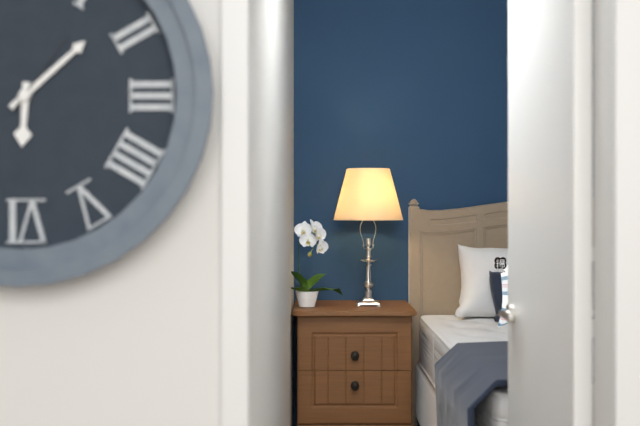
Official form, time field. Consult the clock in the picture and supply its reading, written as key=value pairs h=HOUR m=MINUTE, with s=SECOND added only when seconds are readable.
h=6 m=8 s=6
